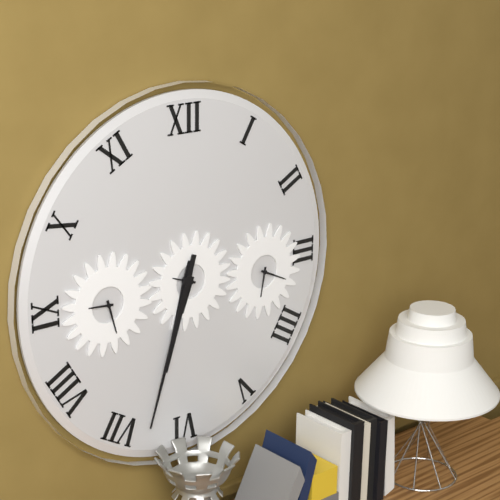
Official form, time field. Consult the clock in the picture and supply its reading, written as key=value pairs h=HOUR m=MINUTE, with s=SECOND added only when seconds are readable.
h=6 m=33
